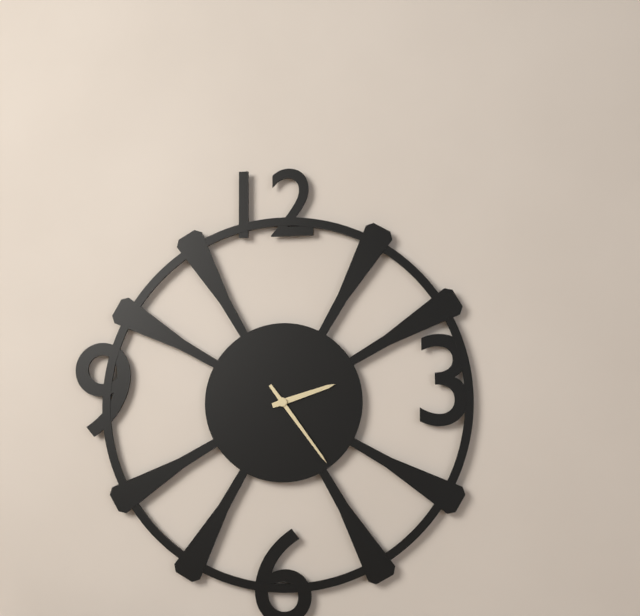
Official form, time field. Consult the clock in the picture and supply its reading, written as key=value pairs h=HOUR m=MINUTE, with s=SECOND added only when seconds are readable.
h=2 m=24
